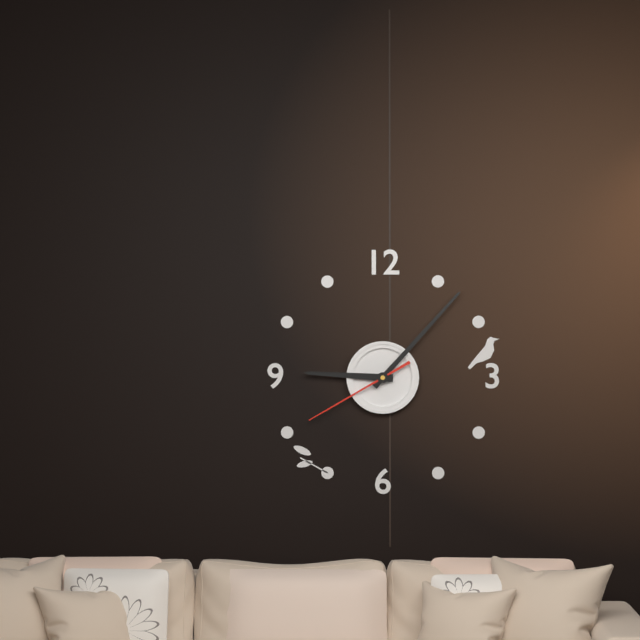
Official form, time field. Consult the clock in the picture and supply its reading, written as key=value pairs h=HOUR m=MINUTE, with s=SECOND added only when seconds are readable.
h=9 m=7 s=40
